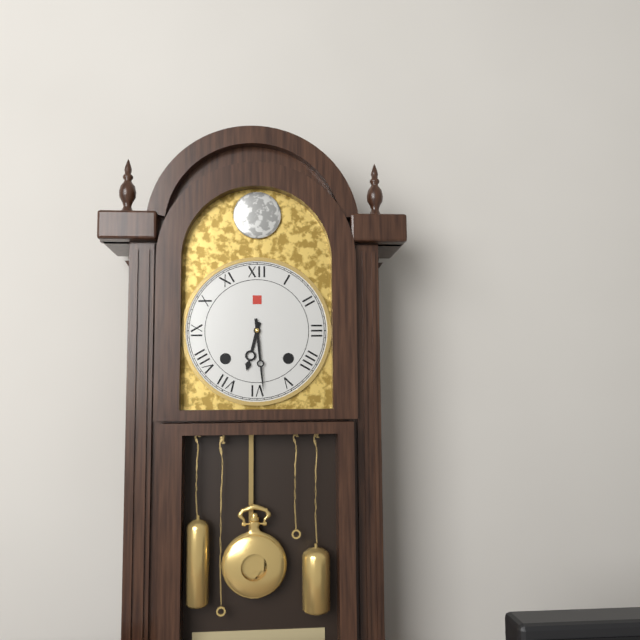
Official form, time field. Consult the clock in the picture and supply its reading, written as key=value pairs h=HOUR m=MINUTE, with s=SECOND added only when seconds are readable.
h=6 m=29
